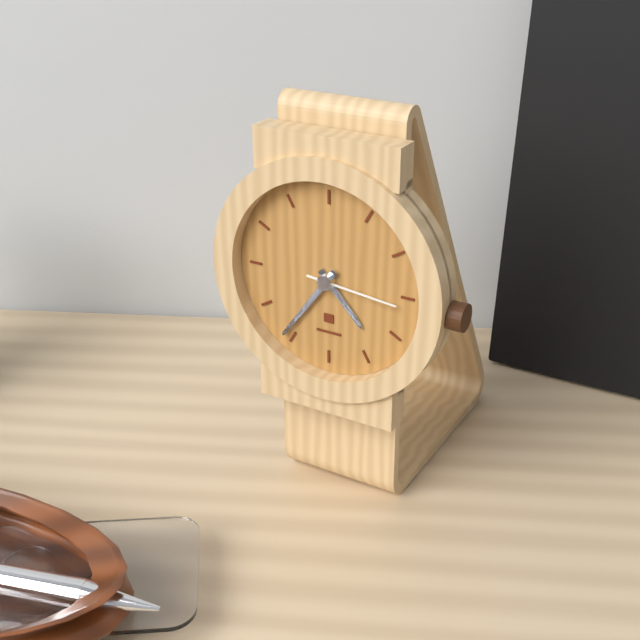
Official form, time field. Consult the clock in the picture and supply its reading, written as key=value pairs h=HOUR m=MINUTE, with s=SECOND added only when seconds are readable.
h=4 m=36 s=16
